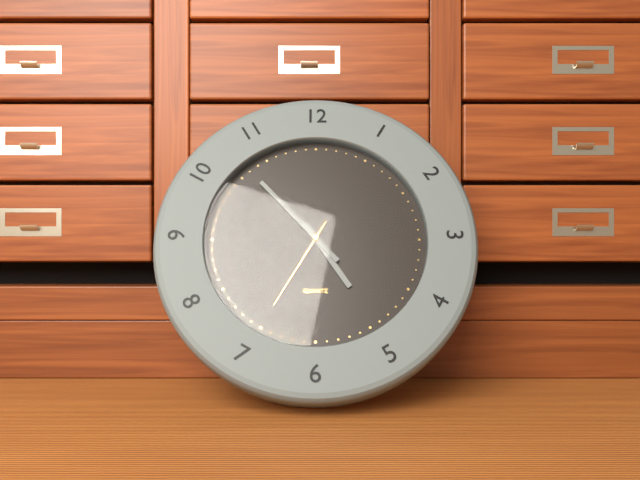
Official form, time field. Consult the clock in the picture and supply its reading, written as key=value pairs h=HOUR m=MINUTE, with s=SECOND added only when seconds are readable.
h=4 m=53 s=35
